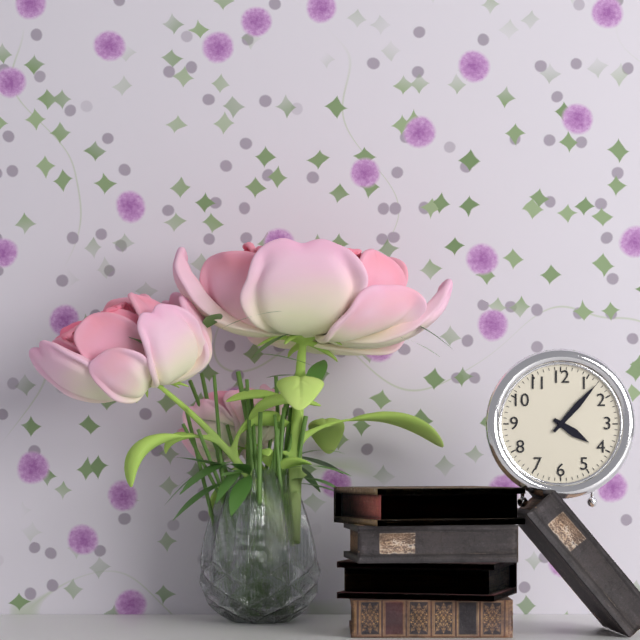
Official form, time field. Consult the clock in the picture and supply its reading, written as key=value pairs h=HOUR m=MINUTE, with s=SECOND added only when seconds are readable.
h=4 m=7
